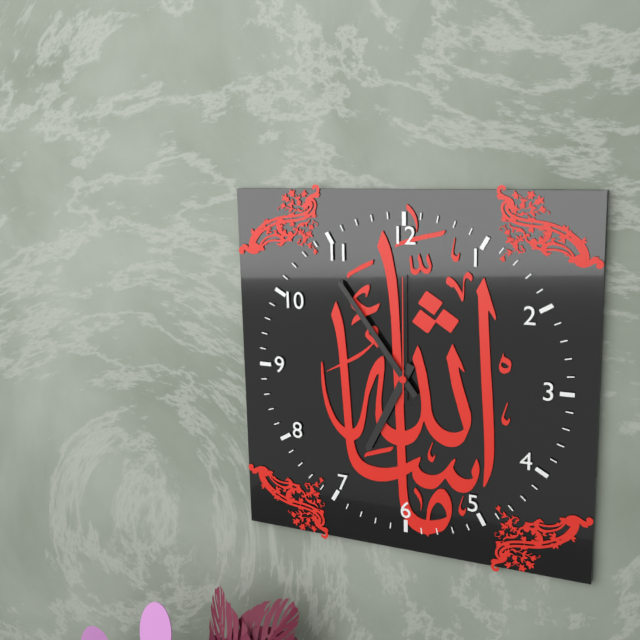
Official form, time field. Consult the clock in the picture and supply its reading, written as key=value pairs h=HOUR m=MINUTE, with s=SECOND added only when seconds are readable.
h=6 m=54 s=0
